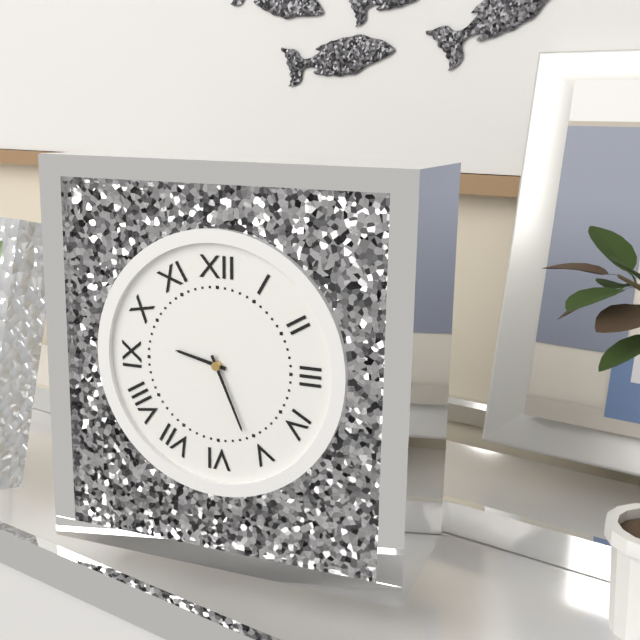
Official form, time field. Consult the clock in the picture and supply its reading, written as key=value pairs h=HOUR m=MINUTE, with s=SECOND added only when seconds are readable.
h=9 m=26
